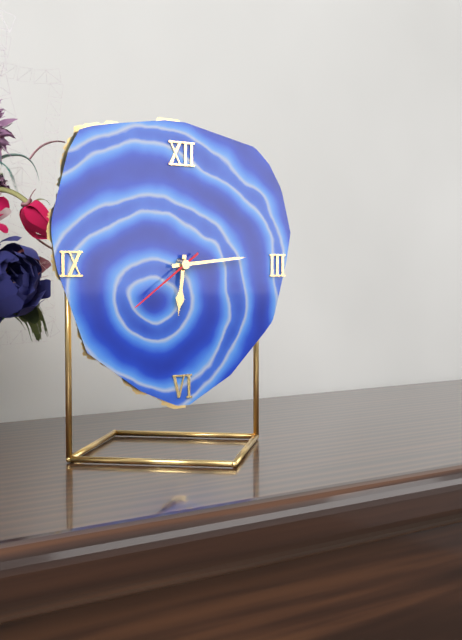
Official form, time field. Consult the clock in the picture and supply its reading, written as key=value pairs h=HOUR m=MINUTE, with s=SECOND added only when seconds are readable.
h=6 m=14 s=39
